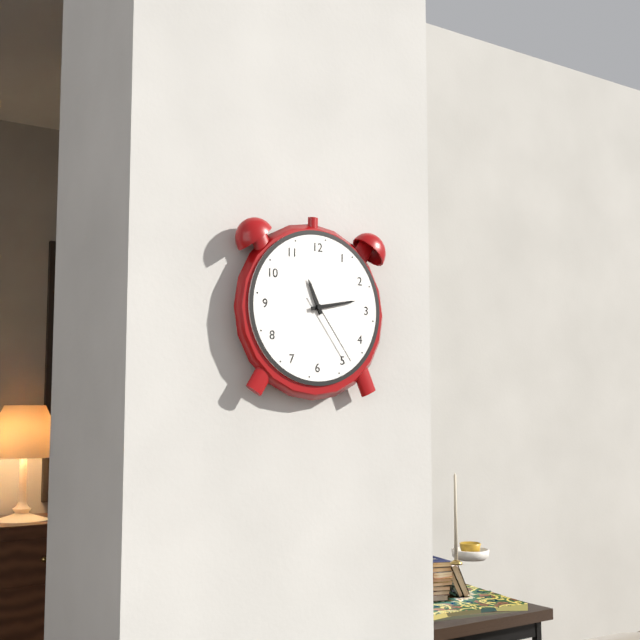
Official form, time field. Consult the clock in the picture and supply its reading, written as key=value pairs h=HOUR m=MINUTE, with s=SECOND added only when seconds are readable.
h=11 m=13 s=24
